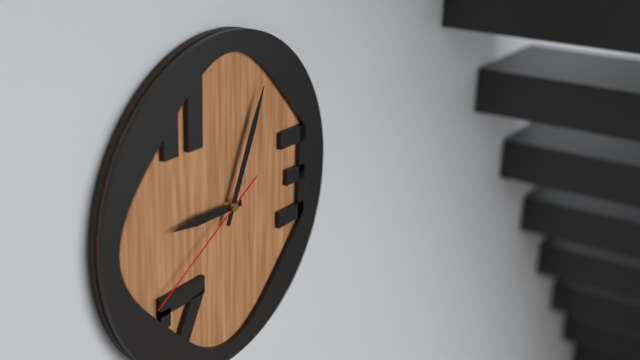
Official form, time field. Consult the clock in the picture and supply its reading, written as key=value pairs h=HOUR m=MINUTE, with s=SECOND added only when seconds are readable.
h=9 m=4 s=40
